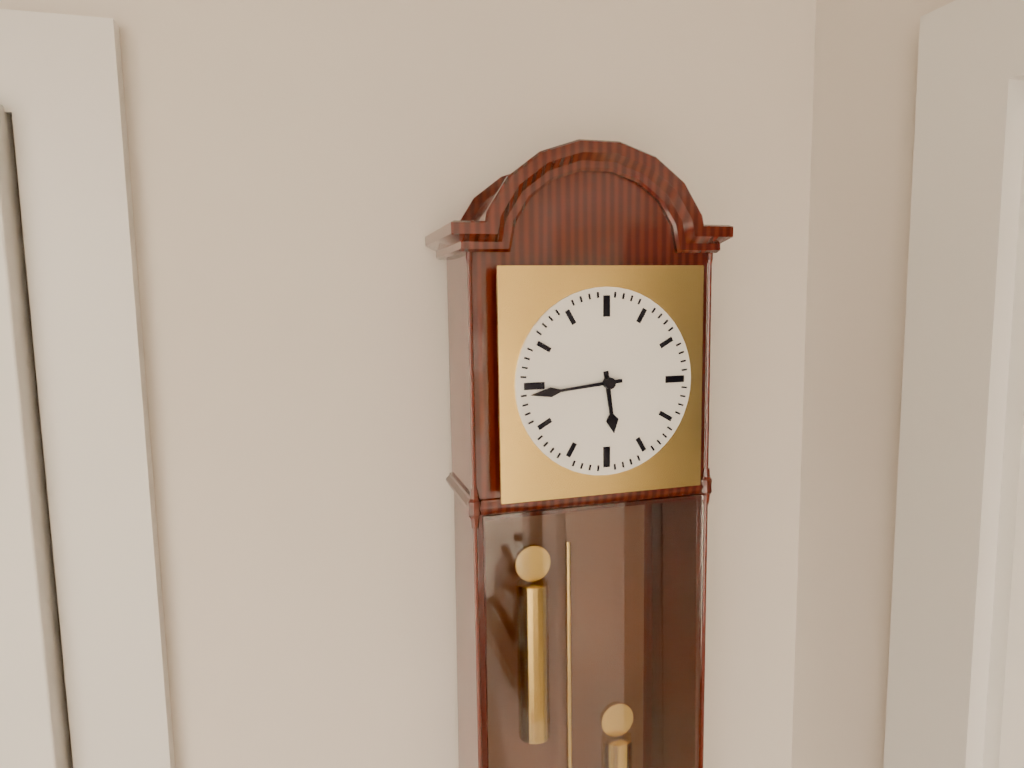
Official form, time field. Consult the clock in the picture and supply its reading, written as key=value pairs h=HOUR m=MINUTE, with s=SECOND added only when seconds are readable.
h=5 m=44
